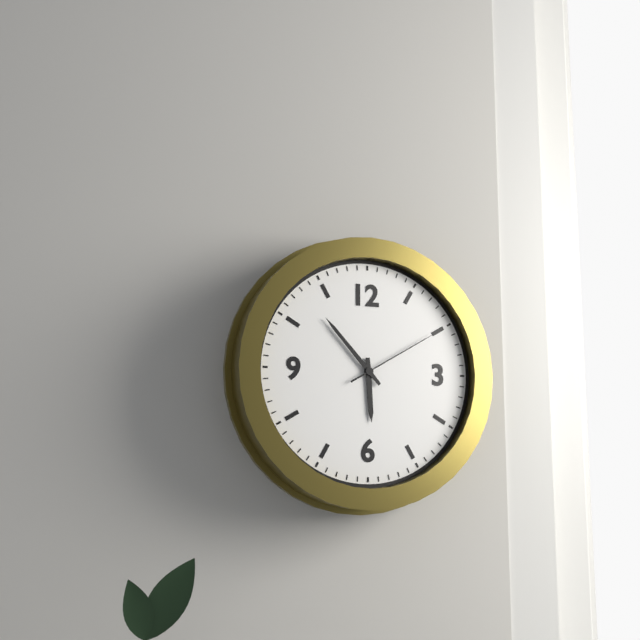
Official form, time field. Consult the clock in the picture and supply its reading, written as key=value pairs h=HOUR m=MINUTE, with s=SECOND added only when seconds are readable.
h=5 m=53 s=10
